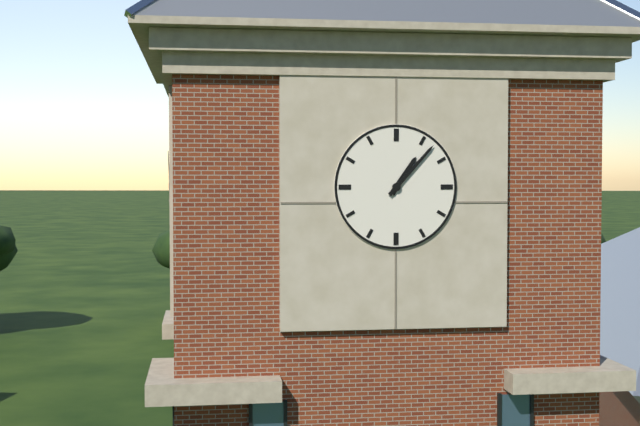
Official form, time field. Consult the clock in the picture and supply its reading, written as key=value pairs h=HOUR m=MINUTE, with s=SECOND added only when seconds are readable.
h=1 m=7
